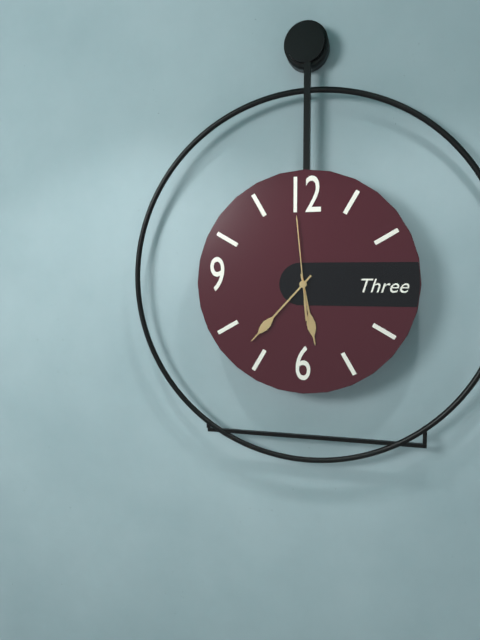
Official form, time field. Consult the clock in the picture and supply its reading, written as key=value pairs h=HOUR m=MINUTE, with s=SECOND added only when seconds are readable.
h=5 m=37 s=59
